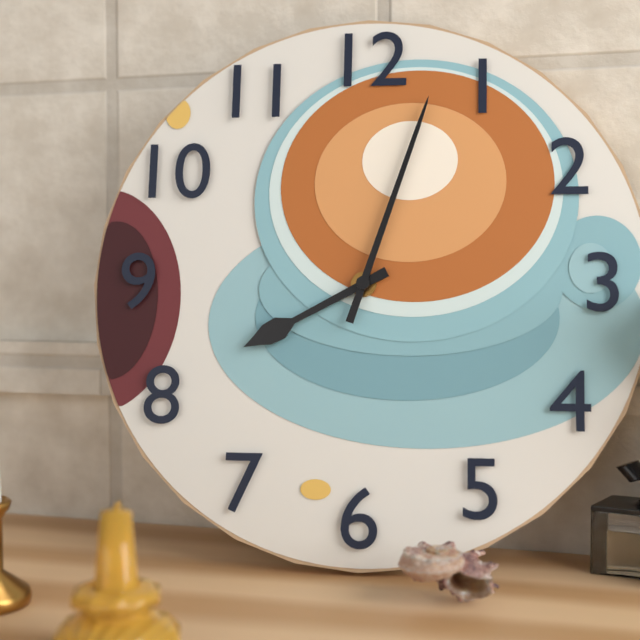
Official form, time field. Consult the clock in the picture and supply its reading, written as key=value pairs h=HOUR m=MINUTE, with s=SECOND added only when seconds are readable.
h=8 m=3
